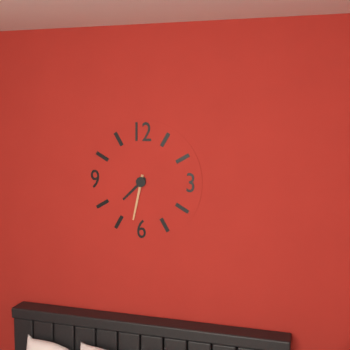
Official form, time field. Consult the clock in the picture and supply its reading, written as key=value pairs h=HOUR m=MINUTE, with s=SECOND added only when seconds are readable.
h=7 m=32
